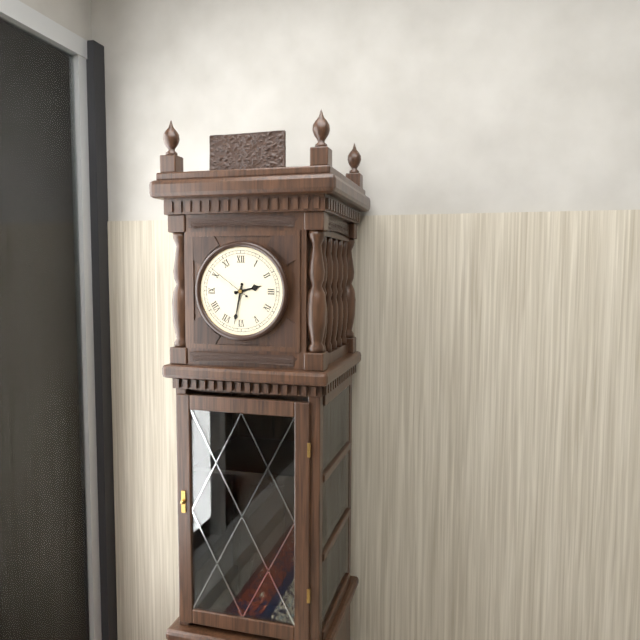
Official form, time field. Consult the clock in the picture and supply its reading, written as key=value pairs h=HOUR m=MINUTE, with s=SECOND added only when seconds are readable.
h=2 m=32
